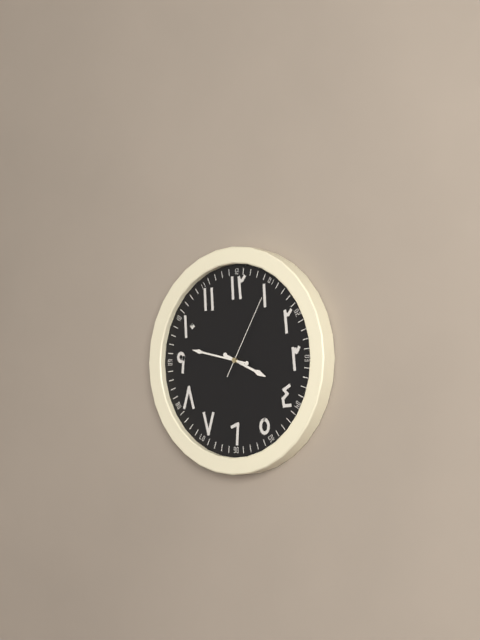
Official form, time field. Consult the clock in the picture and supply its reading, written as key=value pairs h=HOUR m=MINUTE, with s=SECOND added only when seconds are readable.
h=3 m=47 s=5
